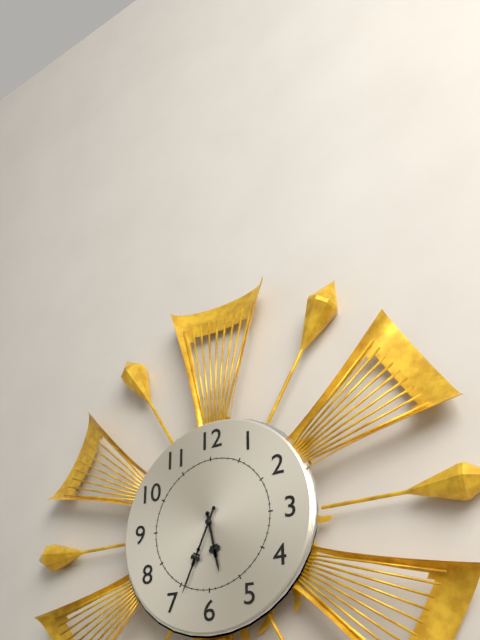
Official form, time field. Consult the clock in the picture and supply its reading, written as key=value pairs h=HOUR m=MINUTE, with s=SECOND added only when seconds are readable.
h=5 m=34
